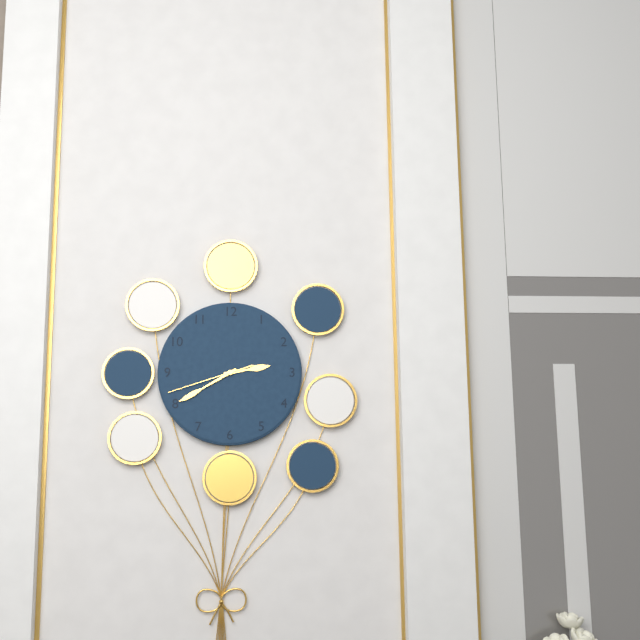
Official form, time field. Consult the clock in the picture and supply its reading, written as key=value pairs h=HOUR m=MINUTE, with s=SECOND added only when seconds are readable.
h=2 m=40 s=42
